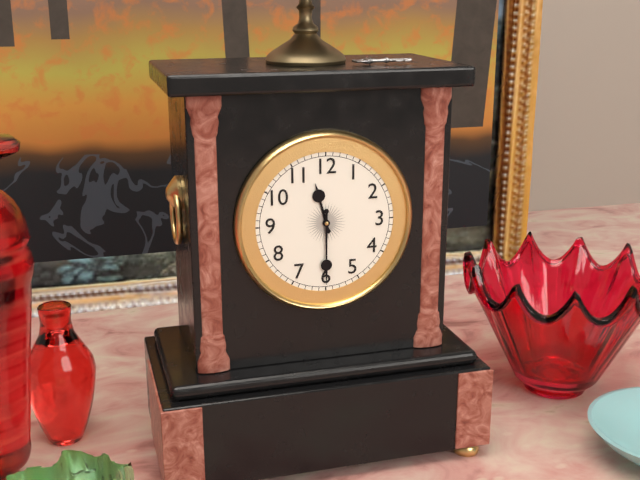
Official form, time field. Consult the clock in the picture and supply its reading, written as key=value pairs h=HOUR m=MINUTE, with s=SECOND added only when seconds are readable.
h=11 m=30
